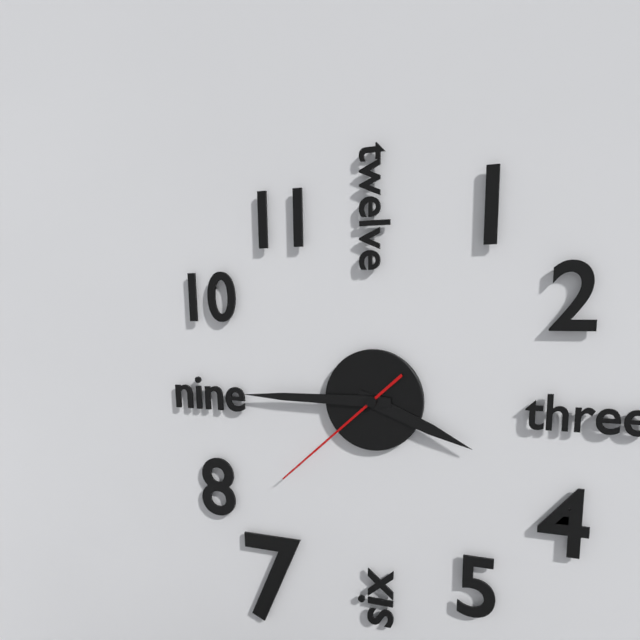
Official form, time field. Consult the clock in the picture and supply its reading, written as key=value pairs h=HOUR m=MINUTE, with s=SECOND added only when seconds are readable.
h=3 m=45 s=38
